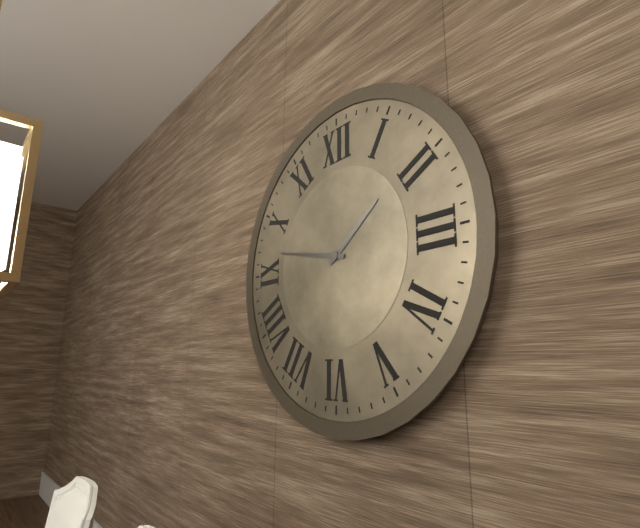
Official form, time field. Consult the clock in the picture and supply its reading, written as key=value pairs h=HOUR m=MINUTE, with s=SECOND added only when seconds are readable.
h=1 m=47
